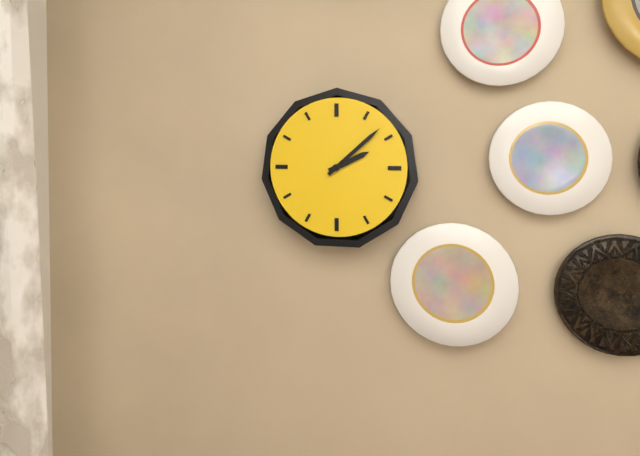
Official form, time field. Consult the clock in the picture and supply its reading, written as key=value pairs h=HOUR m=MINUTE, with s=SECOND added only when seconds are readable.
h=2 m=8
